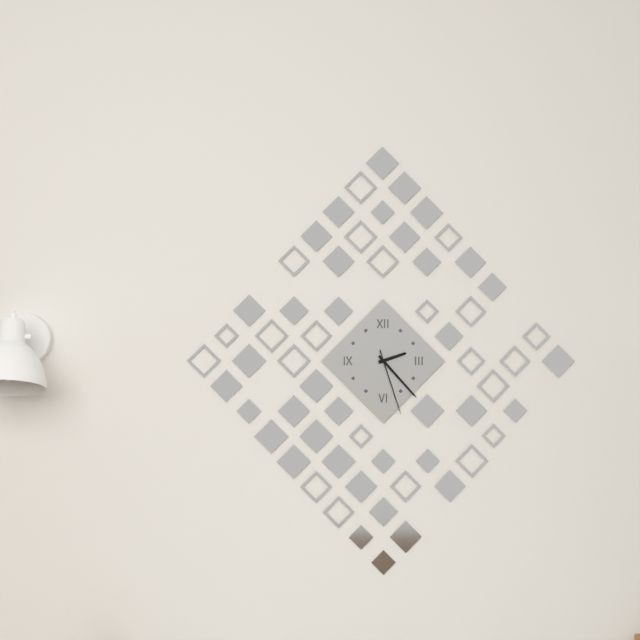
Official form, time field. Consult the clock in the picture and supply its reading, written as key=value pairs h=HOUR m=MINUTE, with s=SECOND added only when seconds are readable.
h=2 m=23 s=27
